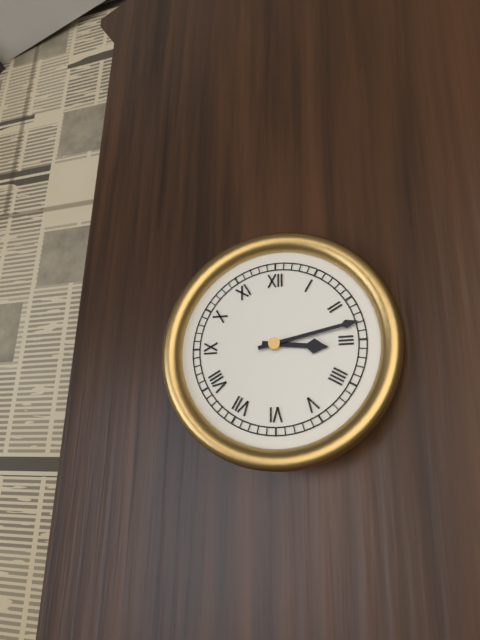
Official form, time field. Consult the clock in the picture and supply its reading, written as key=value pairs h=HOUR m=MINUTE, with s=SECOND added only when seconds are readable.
h=3 m=13
